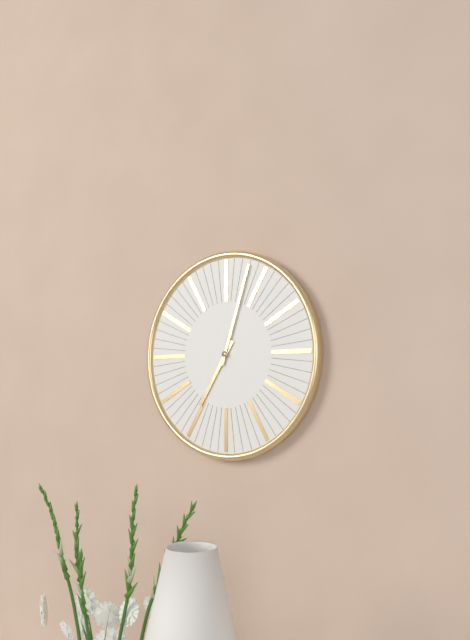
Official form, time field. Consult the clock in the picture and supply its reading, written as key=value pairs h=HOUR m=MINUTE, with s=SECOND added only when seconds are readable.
h=7 m=3
